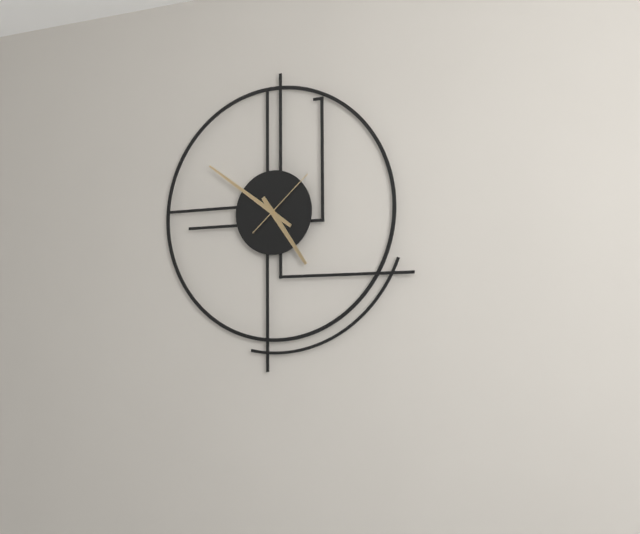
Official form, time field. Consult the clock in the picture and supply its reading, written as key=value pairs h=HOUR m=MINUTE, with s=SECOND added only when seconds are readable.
h=4 m=51 s=8
